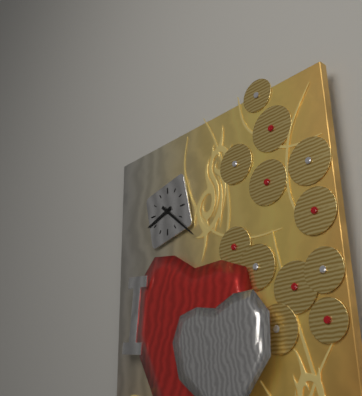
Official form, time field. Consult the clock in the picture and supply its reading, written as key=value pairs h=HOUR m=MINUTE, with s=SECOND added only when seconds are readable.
h=8 m=22
